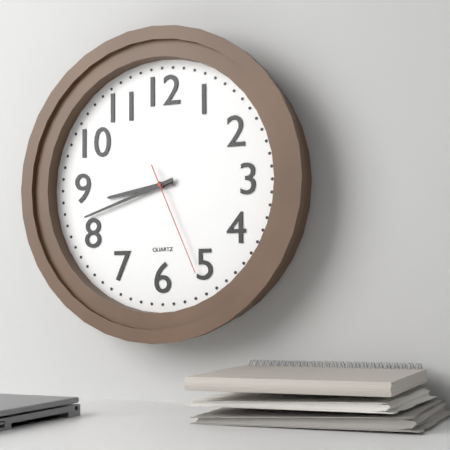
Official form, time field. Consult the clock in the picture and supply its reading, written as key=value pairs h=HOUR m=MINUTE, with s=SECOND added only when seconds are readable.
h=8 m=42 s=26
